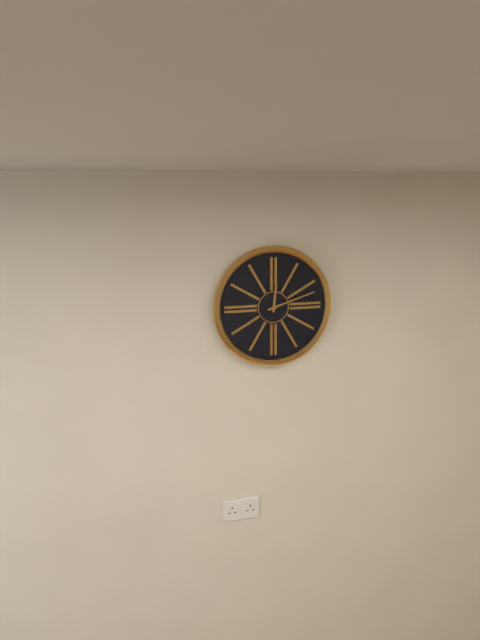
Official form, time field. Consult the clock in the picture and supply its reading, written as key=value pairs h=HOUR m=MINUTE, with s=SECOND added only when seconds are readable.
h=12 m=12
